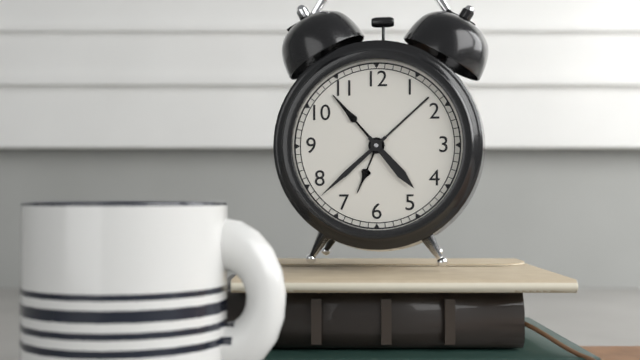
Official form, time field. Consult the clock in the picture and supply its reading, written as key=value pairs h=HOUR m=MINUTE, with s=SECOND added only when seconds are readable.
h=4 m=38
